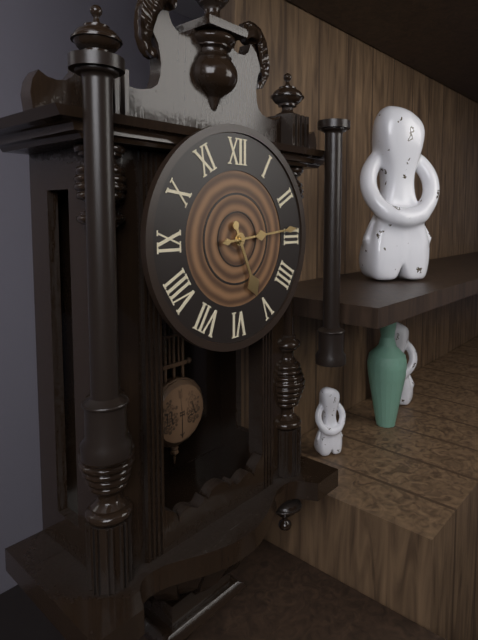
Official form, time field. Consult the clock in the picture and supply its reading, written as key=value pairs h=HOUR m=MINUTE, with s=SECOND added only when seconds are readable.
h=5 m=14
